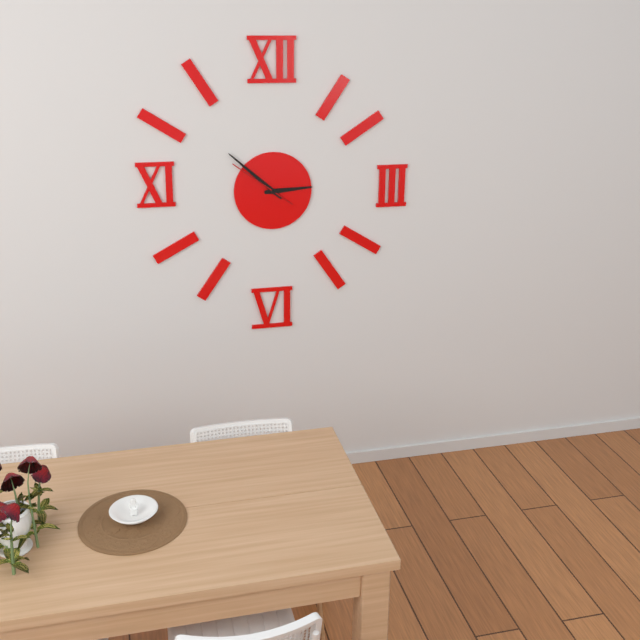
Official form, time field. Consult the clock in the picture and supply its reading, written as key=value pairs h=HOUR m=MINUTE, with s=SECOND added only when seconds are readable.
h=2 m=52 s=51
